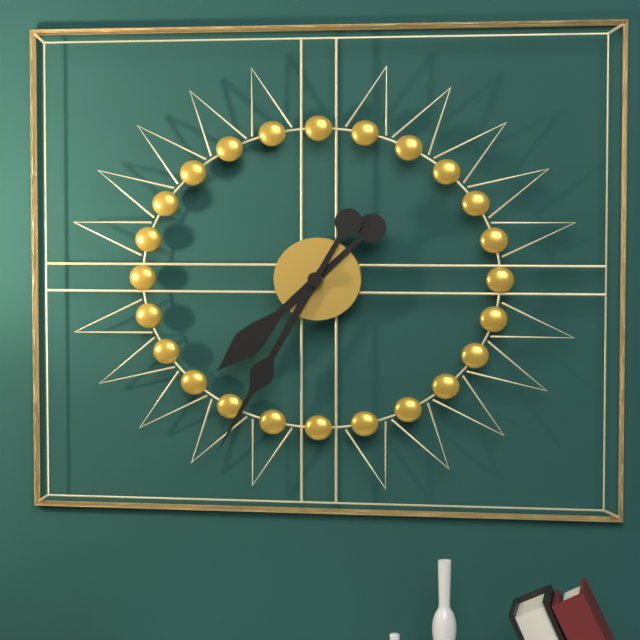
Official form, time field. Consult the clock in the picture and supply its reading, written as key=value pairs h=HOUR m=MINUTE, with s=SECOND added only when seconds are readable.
h=7 m=35
